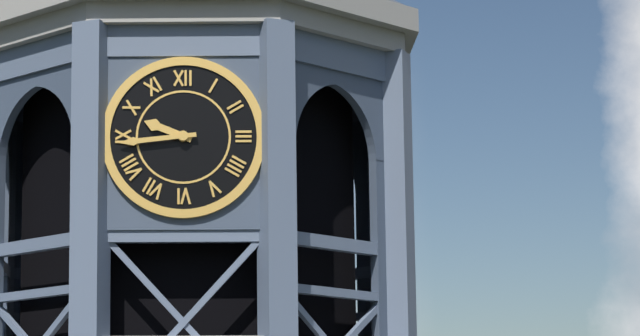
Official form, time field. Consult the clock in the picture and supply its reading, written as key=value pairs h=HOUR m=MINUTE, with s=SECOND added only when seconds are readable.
h=9 m=44
